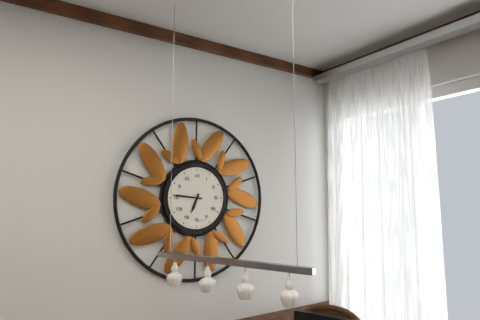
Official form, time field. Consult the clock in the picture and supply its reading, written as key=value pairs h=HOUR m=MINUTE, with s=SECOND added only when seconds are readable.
h=6 m=46
